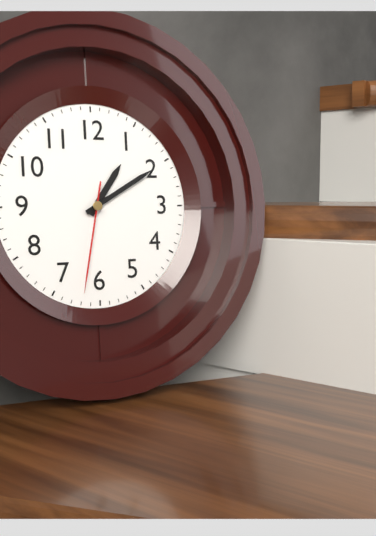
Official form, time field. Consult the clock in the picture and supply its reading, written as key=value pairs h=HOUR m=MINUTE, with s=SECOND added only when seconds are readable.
h=1 m=10 s=32
